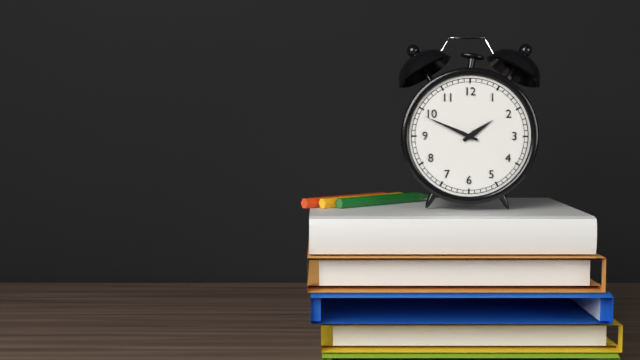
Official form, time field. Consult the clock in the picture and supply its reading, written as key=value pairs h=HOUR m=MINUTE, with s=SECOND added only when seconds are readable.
h=1 m=49
